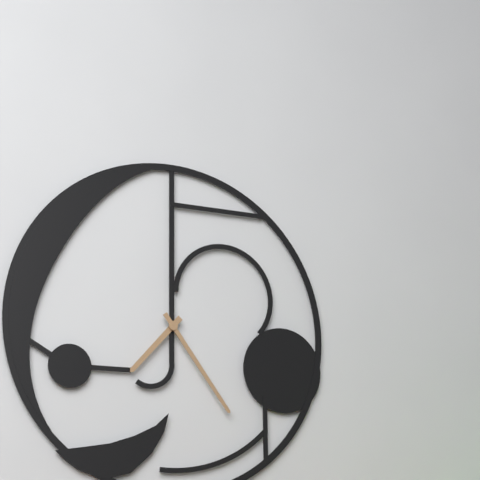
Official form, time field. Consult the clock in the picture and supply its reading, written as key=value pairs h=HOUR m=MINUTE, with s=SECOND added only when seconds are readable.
h=7 m=24
